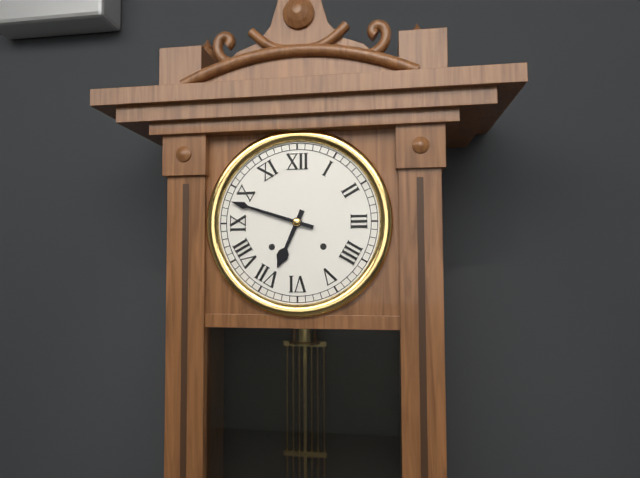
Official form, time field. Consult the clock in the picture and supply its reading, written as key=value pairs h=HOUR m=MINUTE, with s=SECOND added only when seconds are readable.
h=6 m=48
